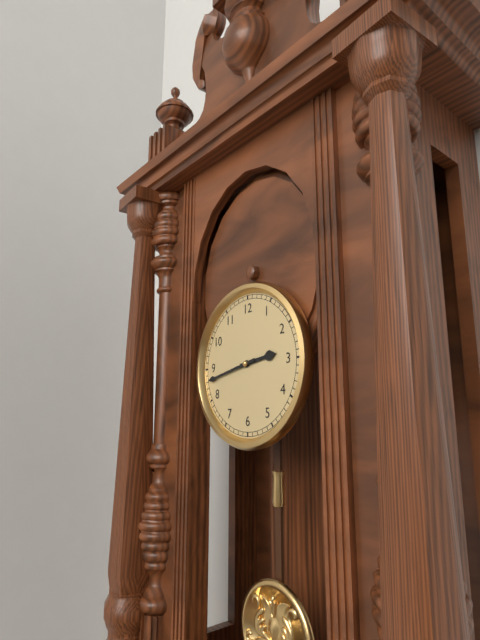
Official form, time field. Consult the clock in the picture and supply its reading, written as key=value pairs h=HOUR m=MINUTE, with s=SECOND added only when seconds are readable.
h=2 m=43
